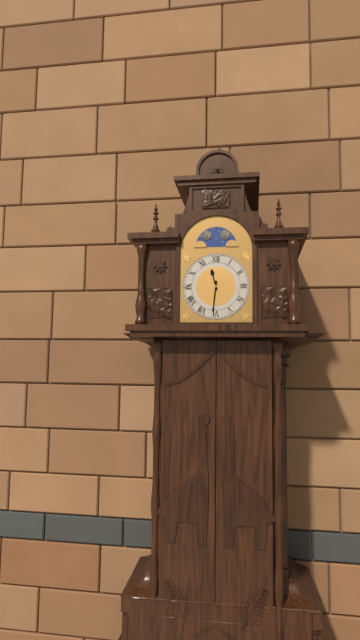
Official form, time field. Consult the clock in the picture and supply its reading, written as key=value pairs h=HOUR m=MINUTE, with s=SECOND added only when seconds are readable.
h=11 m=31
